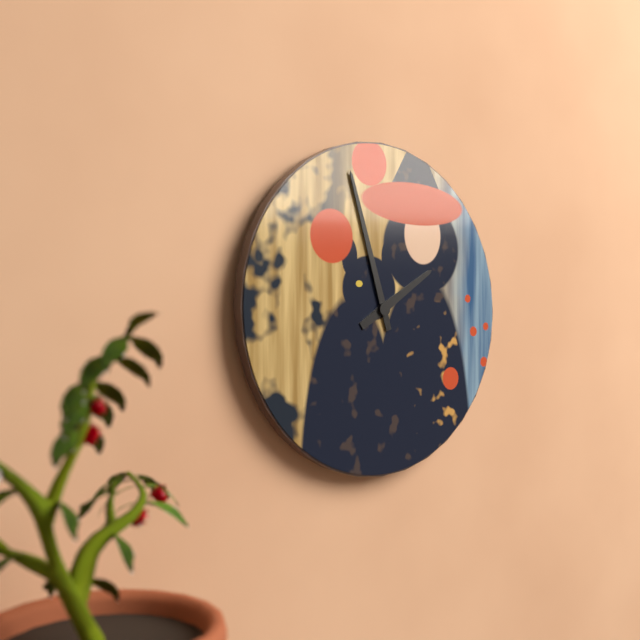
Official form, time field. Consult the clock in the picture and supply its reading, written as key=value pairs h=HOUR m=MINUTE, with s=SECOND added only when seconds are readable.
h=1 m=57
